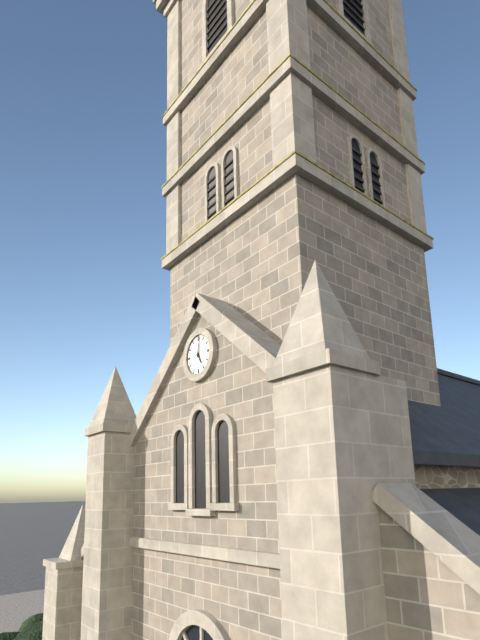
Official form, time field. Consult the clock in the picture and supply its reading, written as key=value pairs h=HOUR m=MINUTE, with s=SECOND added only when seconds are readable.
h=5 m=2
